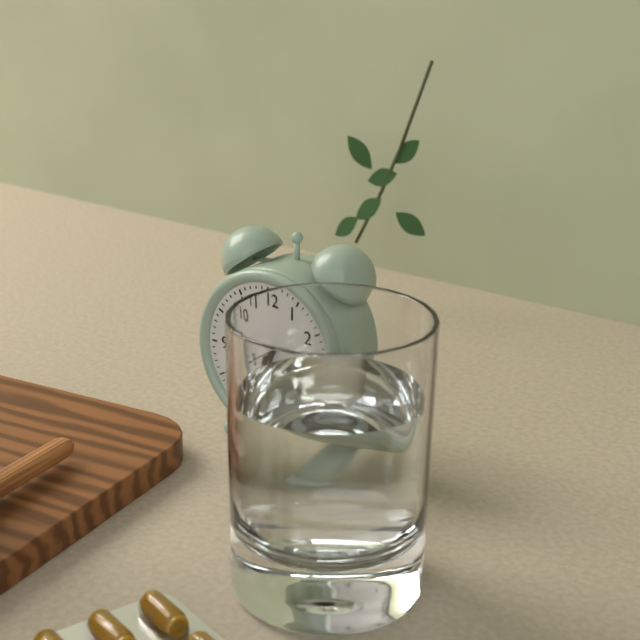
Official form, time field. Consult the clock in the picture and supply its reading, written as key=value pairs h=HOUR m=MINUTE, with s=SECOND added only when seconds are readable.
h=7 m=35 s=40
